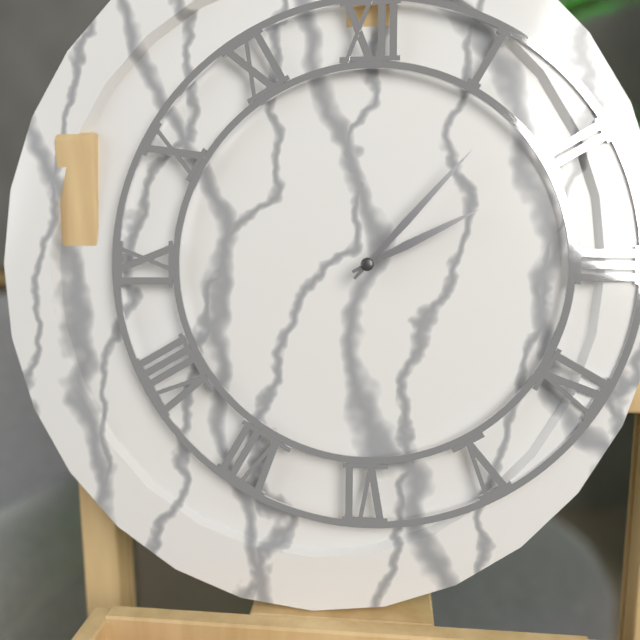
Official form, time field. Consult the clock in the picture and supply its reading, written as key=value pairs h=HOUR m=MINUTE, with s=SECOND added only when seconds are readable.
h=2 m=7
